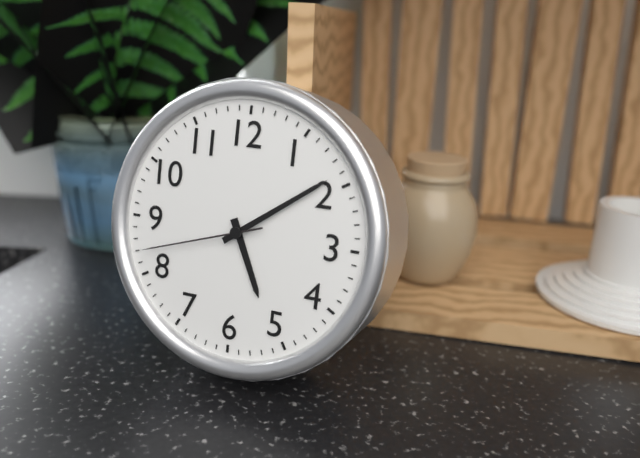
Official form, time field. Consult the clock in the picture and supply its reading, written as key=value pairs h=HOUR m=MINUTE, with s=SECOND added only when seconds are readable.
h=5 m=9 s=42
